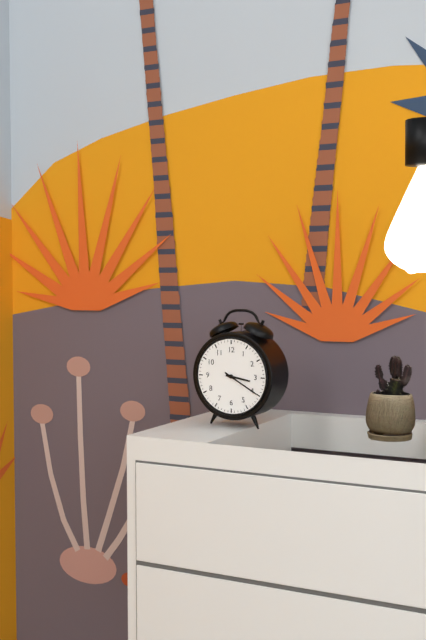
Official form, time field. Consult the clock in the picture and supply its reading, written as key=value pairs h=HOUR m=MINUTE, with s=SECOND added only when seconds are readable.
h=3 m=20
